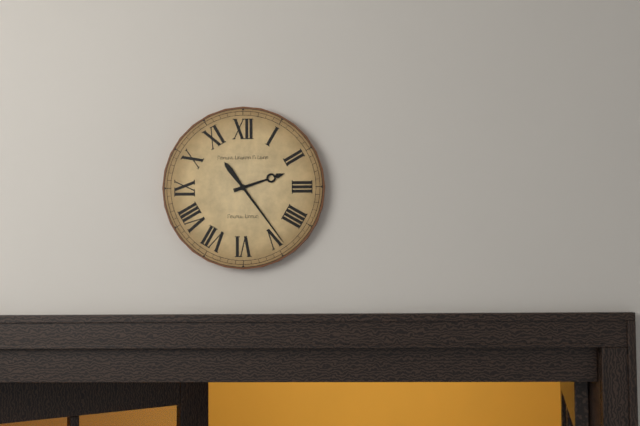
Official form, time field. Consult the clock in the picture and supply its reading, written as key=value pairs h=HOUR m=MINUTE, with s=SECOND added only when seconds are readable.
h=2 m=24
